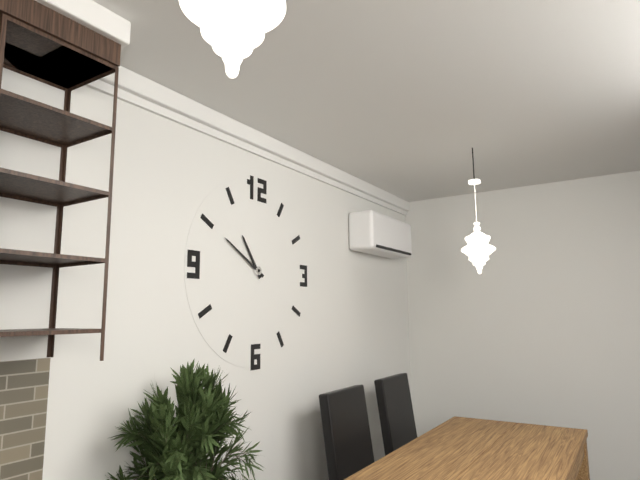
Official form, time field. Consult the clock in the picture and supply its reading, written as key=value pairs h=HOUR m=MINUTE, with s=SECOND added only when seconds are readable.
h=10 m=50
